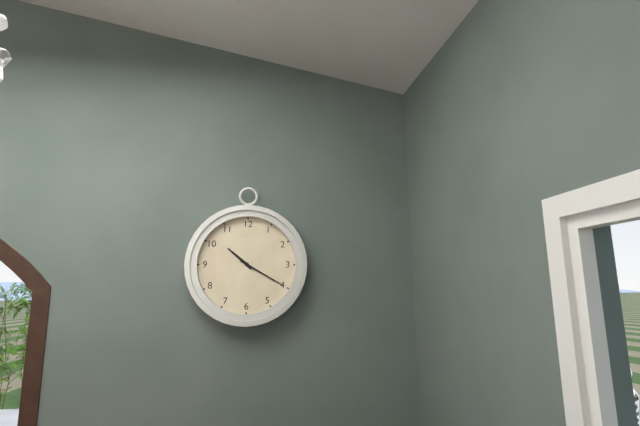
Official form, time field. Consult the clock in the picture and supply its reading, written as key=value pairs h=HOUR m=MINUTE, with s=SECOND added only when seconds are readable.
h=10 m=20
